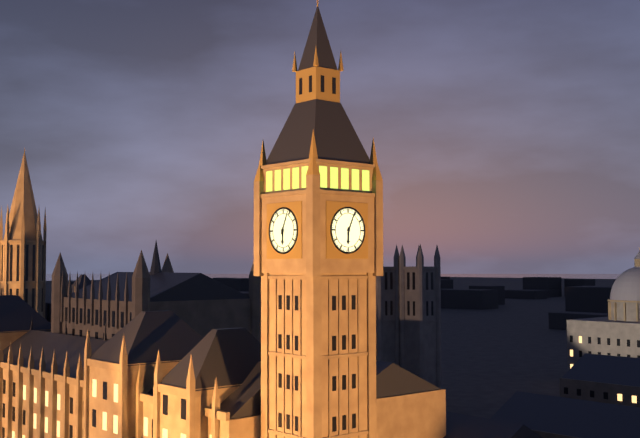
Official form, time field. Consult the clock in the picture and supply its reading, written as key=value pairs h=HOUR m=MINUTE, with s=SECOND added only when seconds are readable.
h=6 m=4
